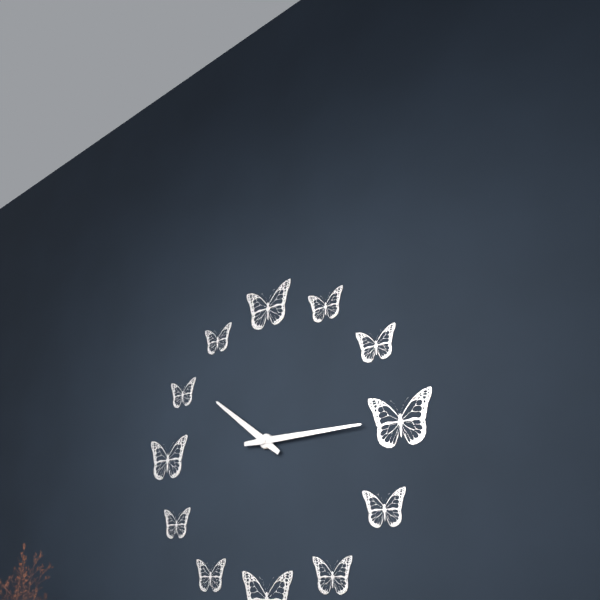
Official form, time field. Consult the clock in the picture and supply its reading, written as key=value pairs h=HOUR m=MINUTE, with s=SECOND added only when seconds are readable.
h=10 m=15
